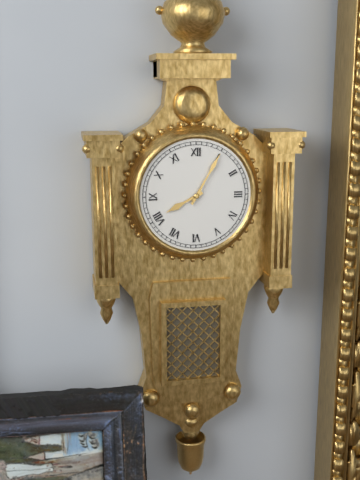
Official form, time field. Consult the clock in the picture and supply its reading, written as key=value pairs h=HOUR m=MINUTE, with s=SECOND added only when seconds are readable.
h=8 m=5
